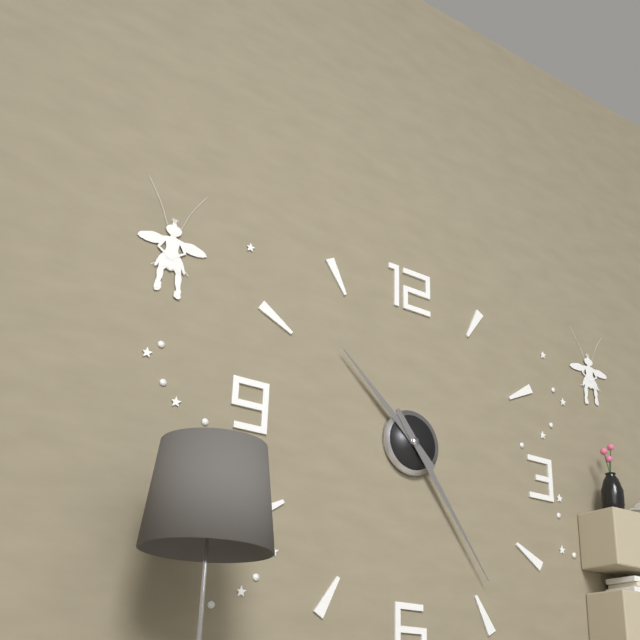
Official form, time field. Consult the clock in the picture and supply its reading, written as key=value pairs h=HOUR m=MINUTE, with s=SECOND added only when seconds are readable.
h=10 m=24
